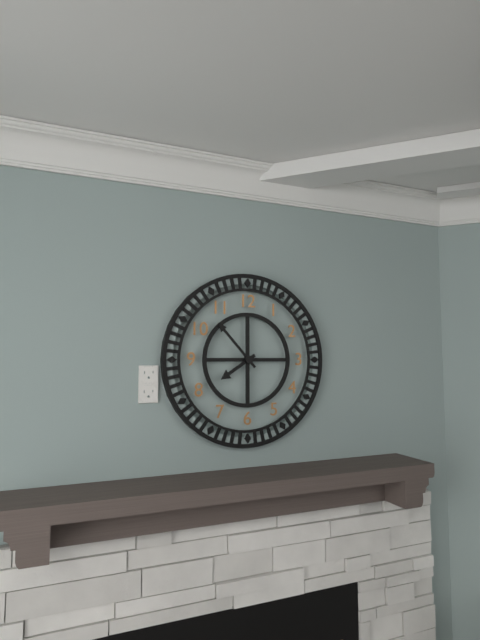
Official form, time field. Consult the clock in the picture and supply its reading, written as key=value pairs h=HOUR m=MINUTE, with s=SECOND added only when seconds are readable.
h=7 m=53
